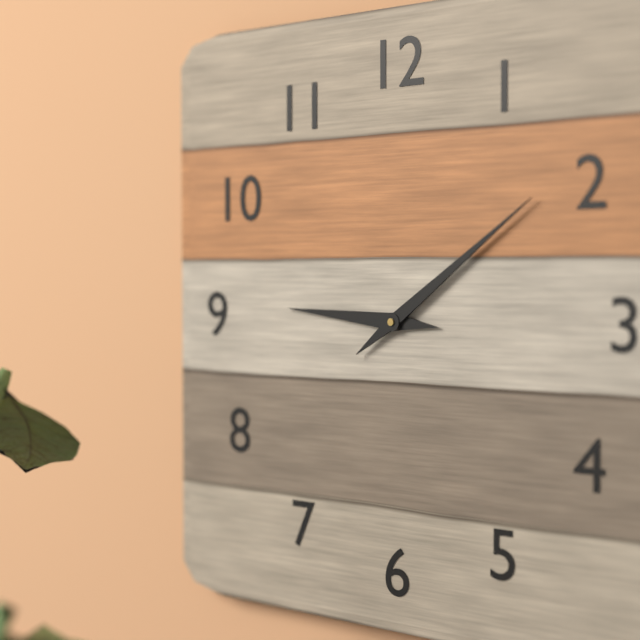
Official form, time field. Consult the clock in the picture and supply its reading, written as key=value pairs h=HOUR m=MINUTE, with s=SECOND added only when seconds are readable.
h=9 m=9
